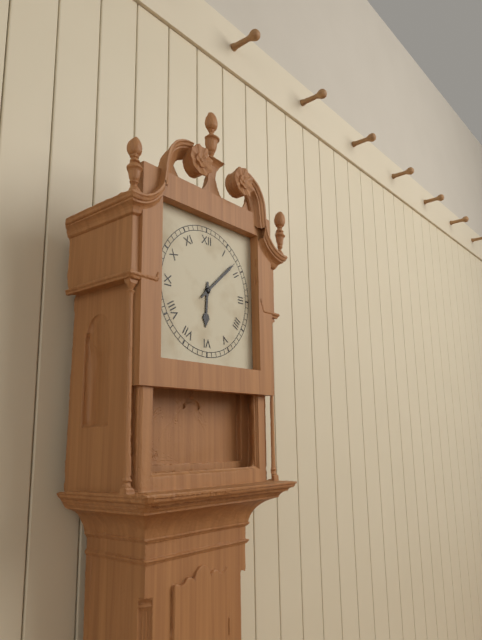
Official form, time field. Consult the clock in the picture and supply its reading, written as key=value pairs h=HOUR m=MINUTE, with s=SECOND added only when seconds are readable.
h=6 m=8
